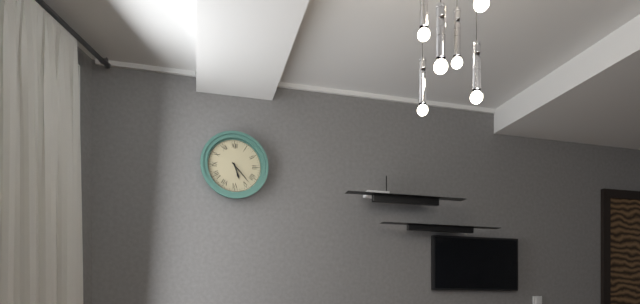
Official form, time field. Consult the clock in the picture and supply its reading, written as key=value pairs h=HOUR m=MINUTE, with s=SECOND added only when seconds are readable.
h=5 m=23
